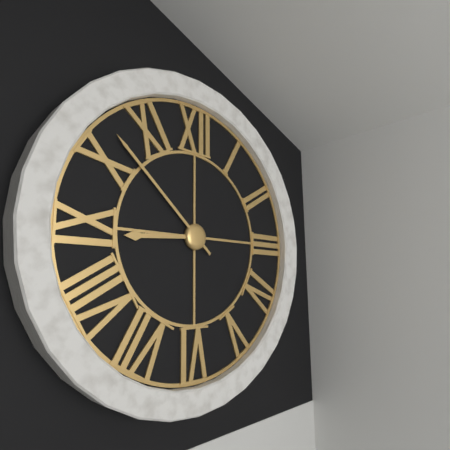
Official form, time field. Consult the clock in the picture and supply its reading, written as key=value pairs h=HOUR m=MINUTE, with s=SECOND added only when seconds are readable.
h=8 m=52
